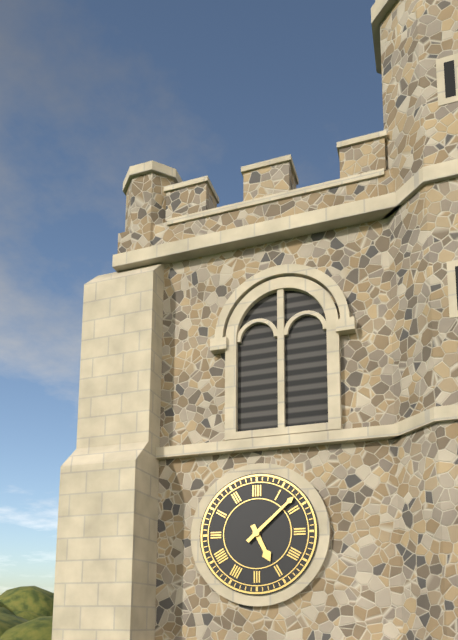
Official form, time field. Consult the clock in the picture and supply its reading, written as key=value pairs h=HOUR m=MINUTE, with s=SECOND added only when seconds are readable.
h=5 m=8
